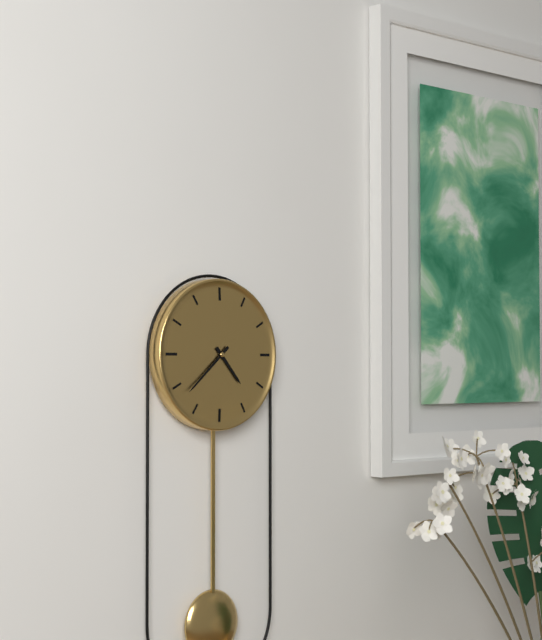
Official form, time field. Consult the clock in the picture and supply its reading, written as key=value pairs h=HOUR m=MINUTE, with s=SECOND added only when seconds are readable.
h=4 m=38
